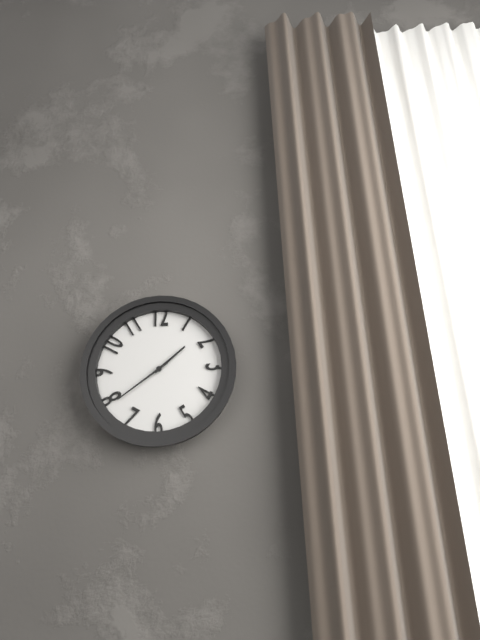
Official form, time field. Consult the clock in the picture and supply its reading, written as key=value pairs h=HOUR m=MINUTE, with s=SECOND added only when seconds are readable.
h=1 m=39
